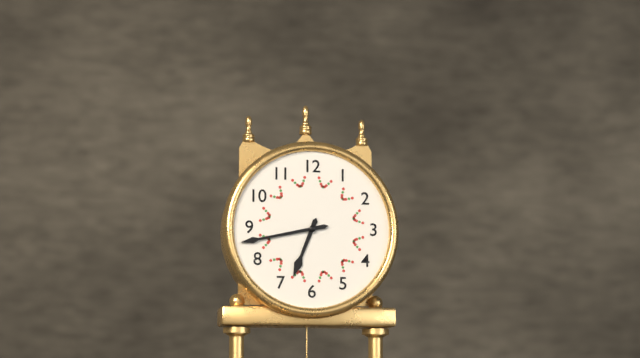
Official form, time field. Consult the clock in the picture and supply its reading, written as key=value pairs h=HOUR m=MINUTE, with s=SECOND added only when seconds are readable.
h=6 m=43
